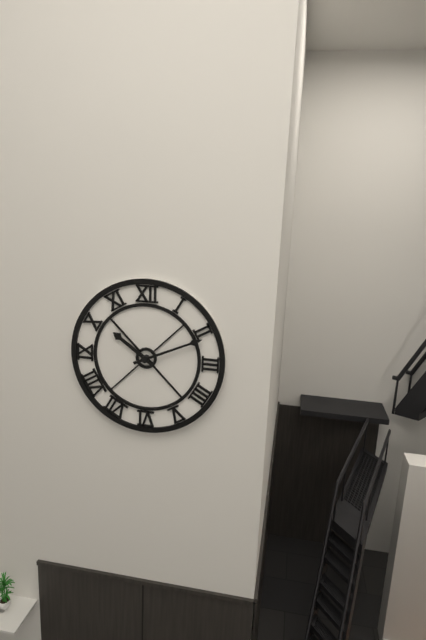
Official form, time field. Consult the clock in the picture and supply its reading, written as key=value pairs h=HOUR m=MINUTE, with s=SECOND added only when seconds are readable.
h=10 m=11
